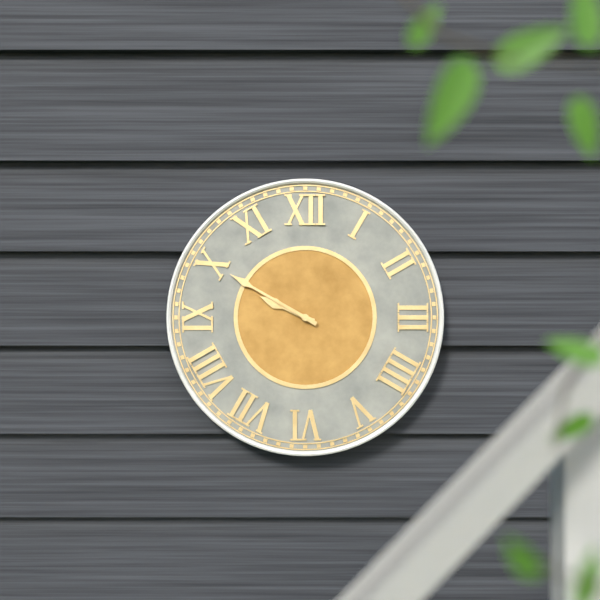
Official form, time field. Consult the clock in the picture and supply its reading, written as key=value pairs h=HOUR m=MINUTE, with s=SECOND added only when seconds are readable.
h=9 m=50
